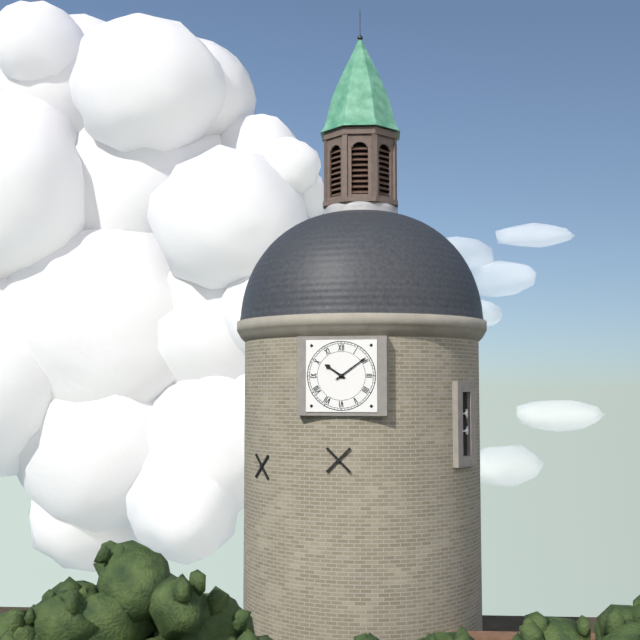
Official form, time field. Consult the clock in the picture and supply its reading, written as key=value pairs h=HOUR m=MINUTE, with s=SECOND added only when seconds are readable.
h=10 m=9
